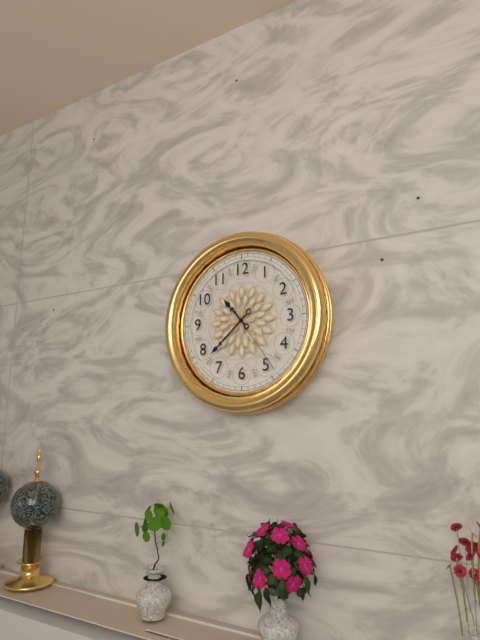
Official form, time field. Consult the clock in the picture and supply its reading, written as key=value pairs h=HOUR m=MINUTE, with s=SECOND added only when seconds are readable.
h=10 m=38 s=24
